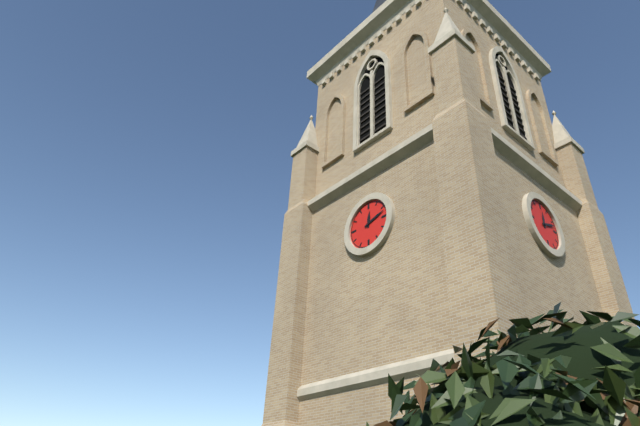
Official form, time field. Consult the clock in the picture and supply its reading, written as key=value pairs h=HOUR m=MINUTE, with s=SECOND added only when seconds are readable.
h=12 m=12
